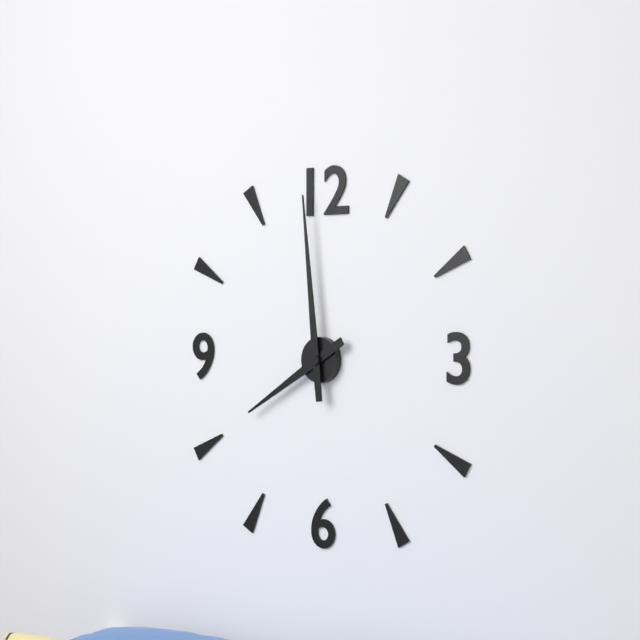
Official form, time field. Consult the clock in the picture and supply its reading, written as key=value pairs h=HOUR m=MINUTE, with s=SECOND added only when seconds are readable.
h=7 m=59
